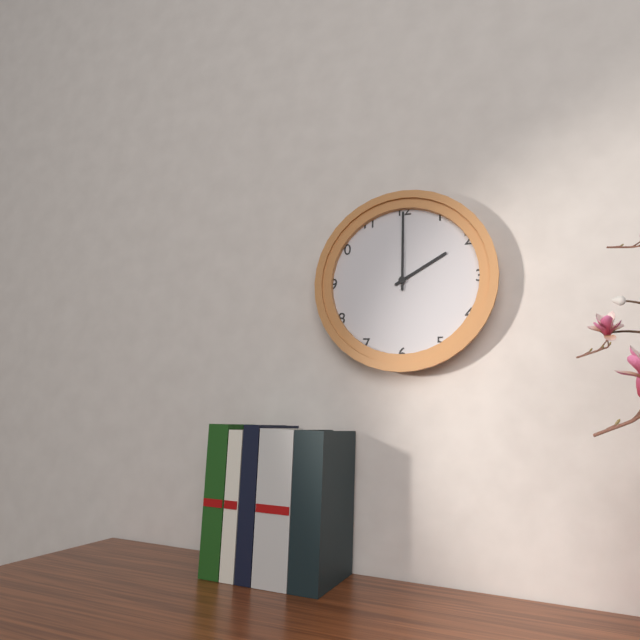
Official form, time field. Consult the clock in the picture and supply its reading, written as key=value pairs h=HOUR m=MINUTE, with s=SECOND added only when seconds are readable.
h=2 m=0
